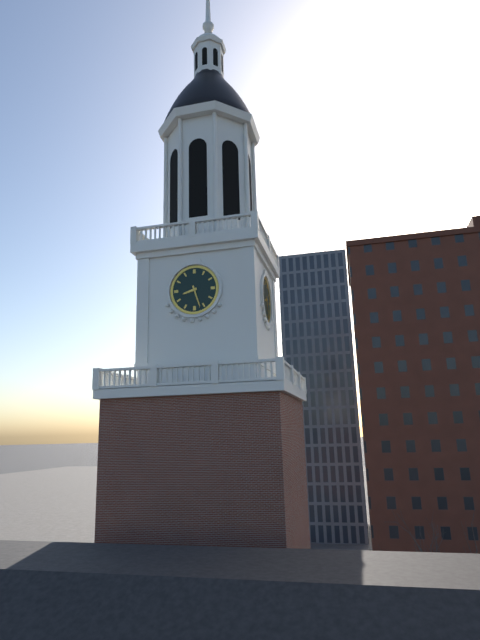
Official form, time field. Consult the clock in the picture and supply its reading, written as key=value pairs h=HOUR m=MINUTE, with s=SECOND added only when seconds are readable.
h=8 m=27
